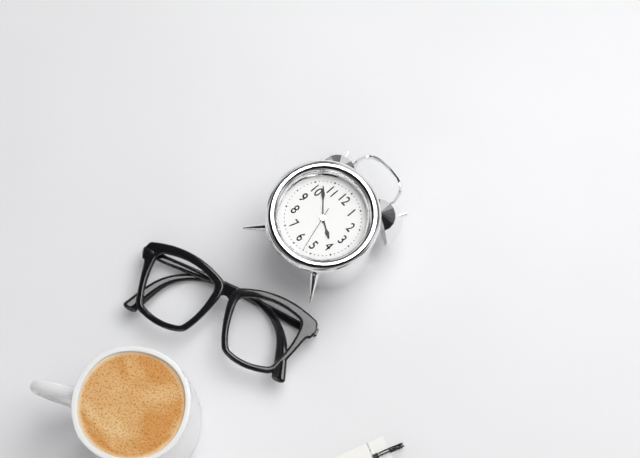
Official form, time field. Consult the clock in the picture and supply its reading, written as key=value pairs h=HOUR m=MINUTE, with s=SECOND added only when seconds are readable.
h=3 m=52
